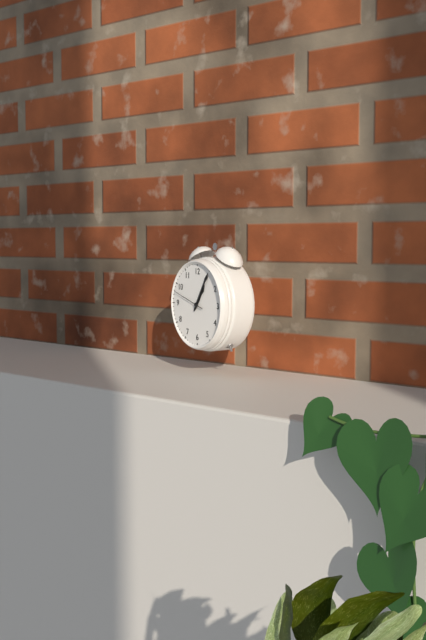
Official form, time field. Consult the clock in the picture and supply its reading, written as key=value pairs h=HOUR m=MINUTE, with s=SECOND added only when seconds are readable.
h=1 m=5
